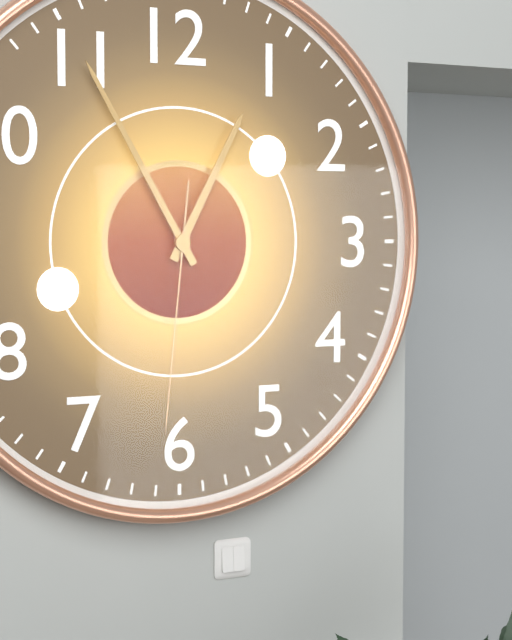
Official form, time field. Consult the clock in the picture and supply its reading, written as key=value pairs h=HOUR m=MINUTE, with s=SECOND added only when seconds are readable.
h=12 m=55 s=31
